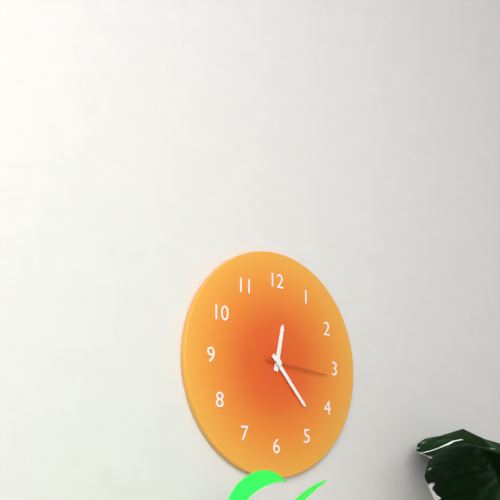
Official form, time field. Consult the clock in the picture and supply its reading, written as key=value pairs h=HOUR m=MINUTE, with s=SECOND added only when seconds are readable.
h=12 m=23 s=16
